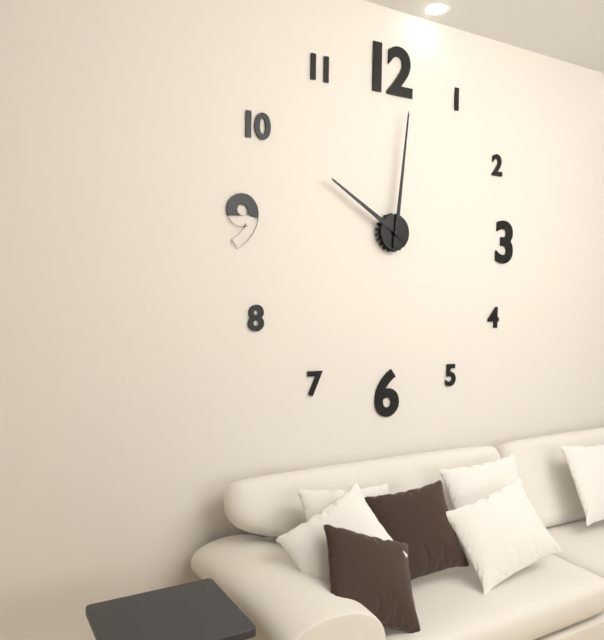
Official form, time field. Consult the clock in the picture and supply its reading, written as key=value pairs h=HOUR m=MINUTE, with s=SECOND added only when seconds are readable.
h=10 m=1
